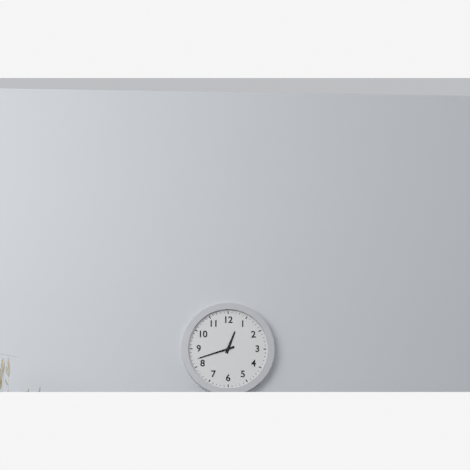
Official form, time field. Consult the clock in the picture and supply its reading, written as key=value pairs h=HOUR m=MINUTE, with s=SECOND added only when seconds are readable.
h=12 m=42
